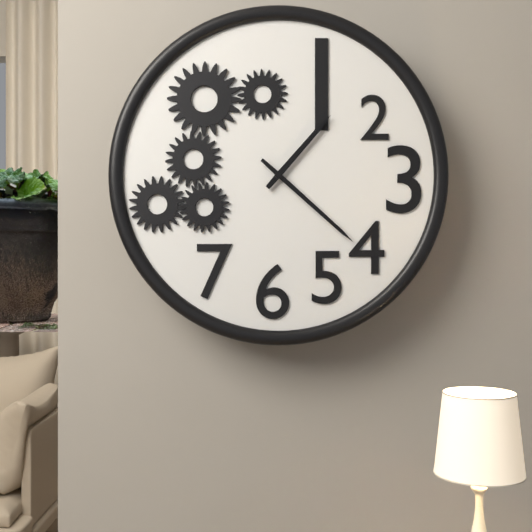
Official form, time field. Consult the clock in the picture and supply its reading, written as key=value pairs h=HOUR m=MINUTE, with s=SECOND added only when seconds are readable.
h=1 m=22
